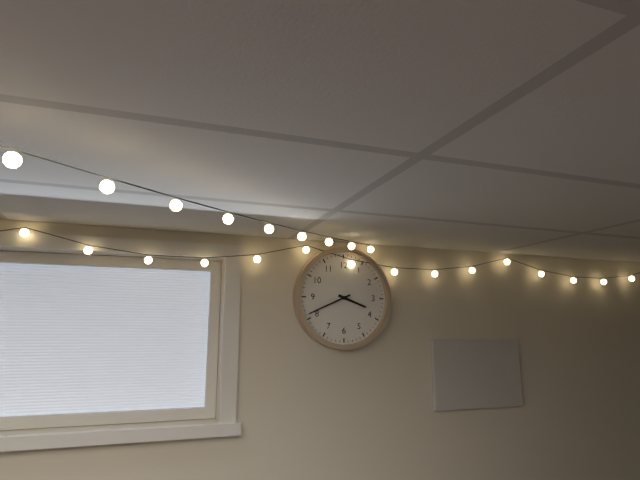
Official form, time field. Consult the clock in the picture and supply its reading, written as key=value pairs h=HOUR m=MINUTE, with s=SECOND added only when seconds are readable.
h=3 m=41
